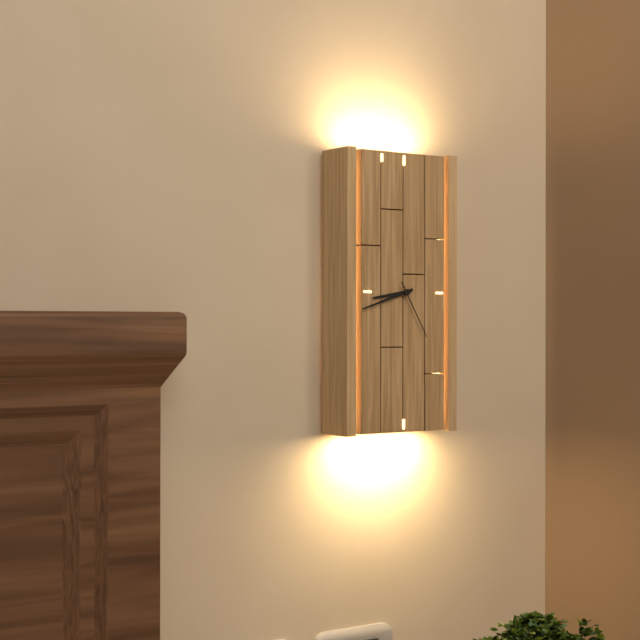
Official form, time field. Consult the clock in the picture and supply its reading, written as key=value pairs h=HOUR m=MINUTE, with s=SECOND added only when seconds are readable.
h=8 m=42 s=25
